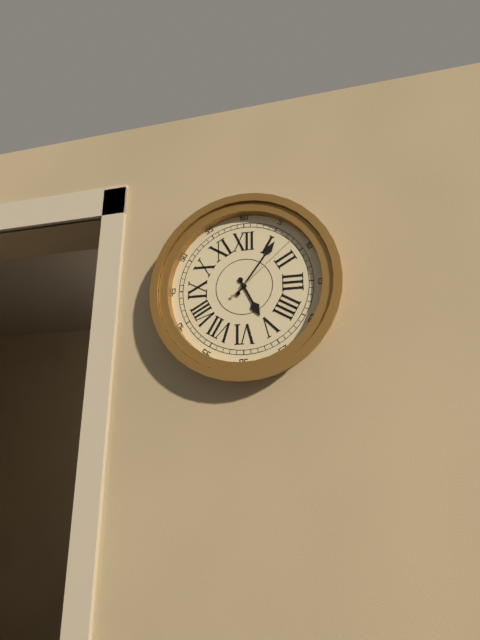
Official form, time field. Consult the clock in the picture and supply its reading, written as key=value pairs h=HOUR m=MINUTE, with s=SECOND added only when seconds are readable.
h=5 m=6 s=8
